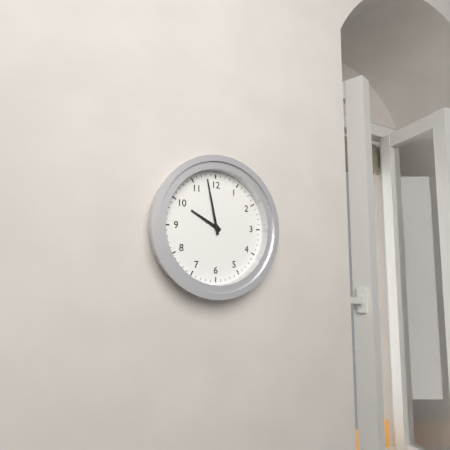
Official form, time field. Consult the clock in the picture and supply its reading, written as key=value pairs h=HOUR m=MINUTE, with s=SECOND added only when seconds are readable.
h=9 m=58
